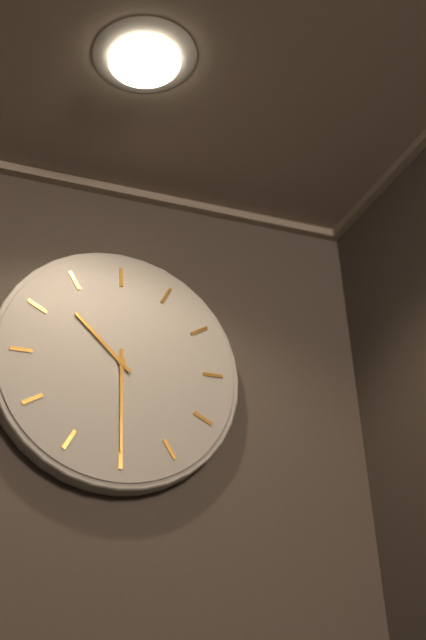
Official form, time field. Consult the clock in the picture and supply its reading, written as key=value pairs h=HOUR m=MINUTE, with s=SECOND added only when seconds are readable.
h=10 m=30
